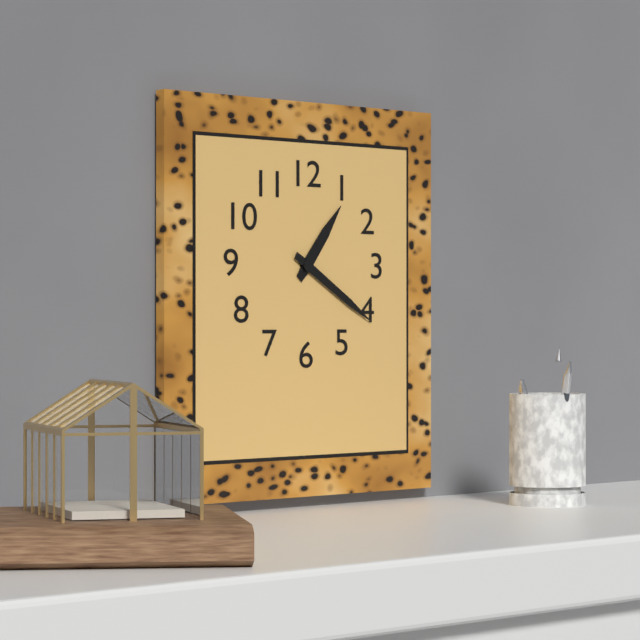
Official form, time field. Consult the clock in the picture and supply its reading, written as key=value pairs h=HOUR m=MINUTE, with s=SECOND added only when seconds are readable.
h=1 m=20
